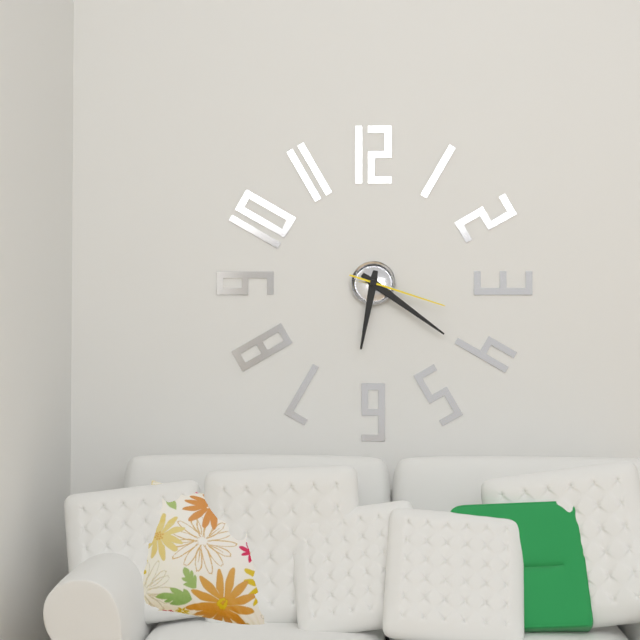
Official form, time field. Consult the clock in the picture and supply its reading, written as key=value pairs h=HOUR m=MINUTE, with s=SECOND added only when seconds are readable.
h=6 m=21 s=18
